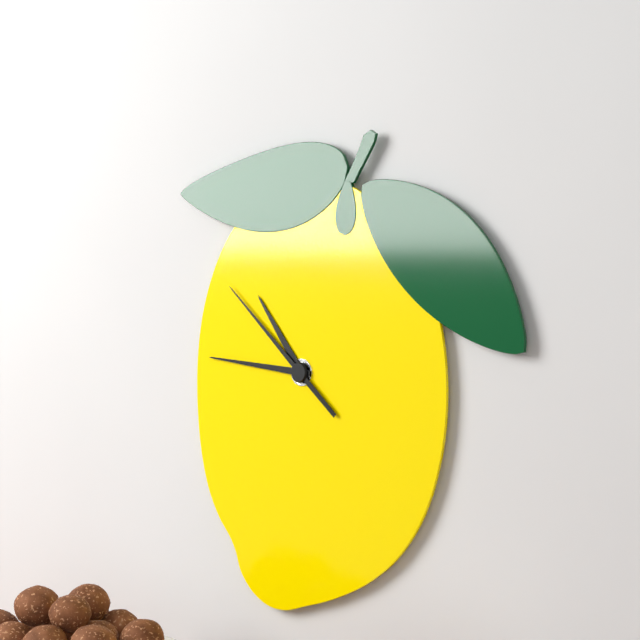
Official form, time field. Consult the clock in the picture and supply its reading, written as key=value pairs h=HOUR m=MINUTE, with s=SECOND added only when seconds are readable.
h=10 m=46 s=52
